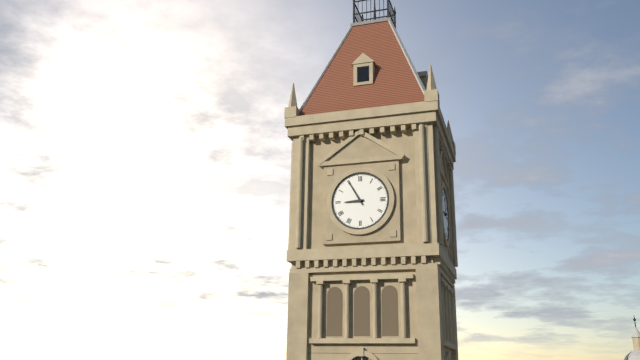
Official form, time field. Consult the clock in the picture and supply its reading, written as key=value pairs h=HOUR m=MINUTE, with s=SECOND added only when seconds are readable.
h=8 m=55
